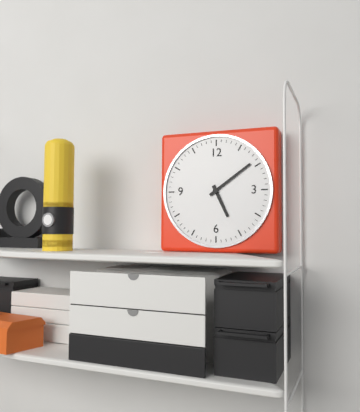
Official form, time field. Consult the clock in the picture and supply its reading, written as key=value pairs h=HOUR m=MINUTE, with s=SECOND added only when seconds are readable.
h=5 m=9
